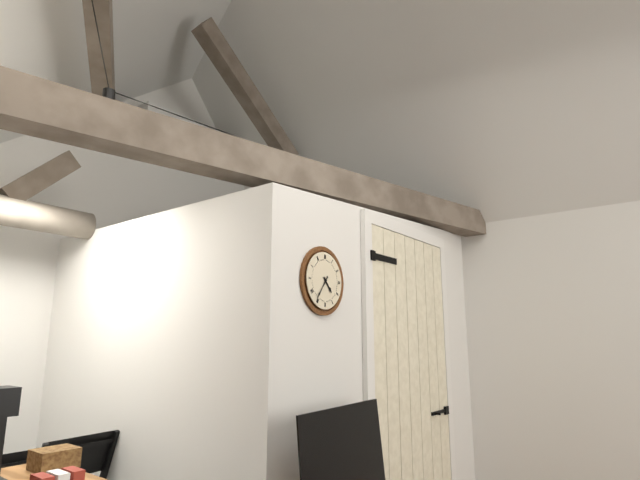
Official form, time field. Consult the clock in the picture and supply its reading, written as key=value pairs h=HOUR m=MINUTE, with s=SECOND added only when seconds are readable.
h=4 m=36
